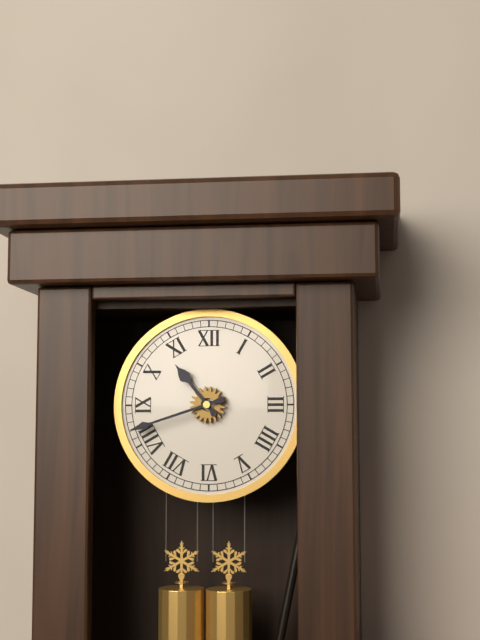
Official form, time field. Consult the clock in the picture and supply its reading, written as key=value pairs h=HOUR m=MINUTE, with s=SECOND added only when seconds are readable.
h=10 m=42
